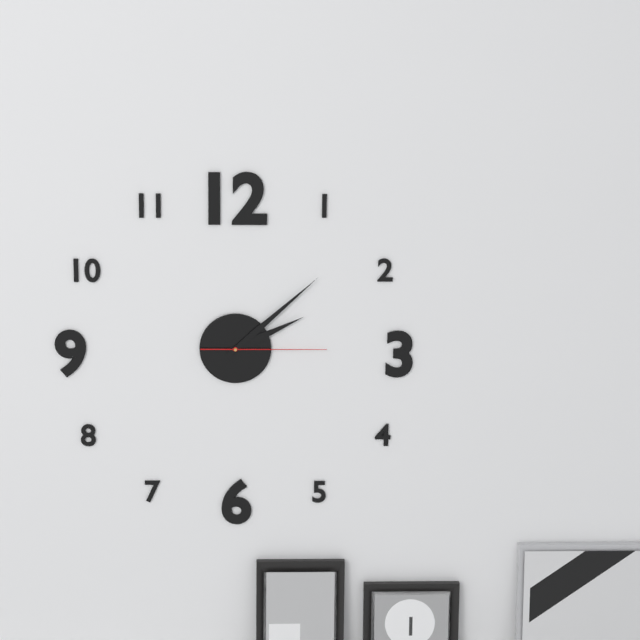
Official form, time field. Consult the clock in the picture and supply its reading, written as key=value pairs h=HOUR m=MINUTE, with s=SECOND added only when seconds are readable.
h=2 m=8 s=15
